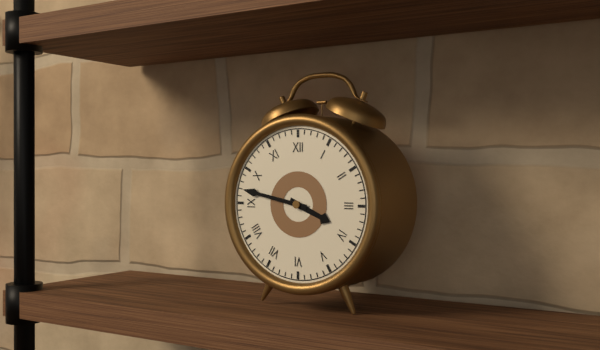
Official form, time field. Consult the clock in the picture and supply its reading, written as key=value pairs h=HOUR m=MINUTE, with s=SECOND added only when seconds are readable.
h=3 m=47
